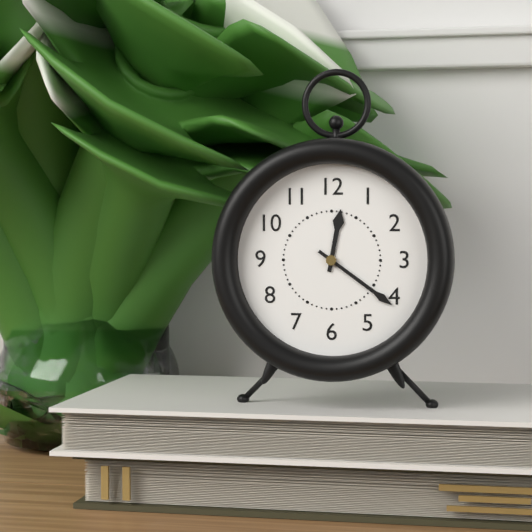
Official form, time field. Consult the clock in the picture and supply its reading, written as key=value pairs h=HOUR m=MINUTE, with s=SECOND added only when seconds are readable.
h=12 m=21
